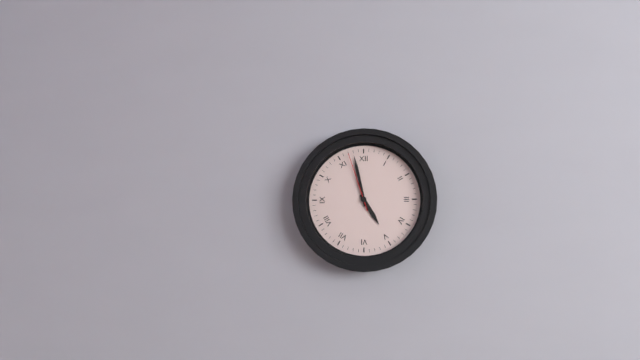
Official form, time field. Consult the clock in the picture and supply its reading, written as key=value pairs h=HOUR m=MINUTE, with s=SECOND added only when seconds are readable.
h=4 m=58 s=57
